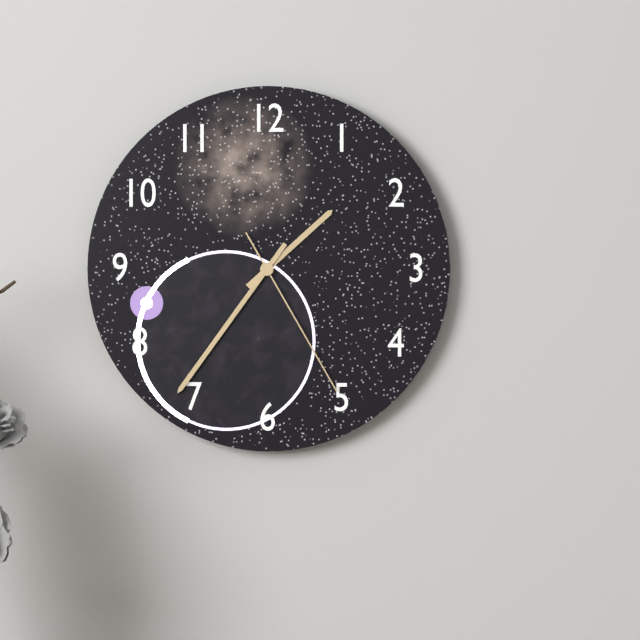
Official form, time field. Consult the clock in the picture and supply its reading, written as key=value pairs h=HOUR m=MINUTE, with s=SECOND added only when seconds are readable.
h=1 m=36 s=25
